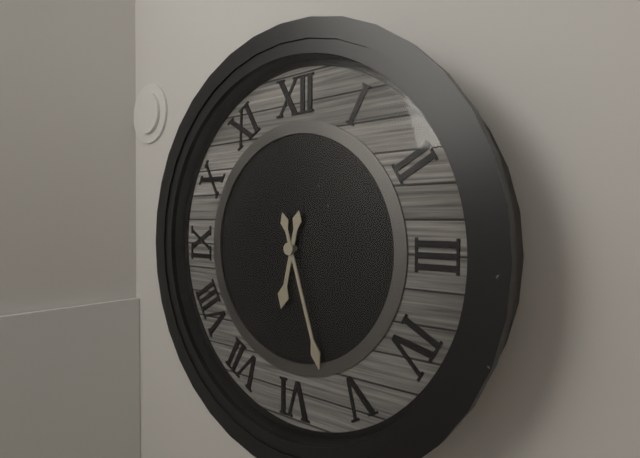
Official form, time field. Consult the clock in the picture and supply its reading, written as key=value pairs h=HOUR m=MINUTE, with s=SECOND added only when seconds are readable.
h=6 m=27
